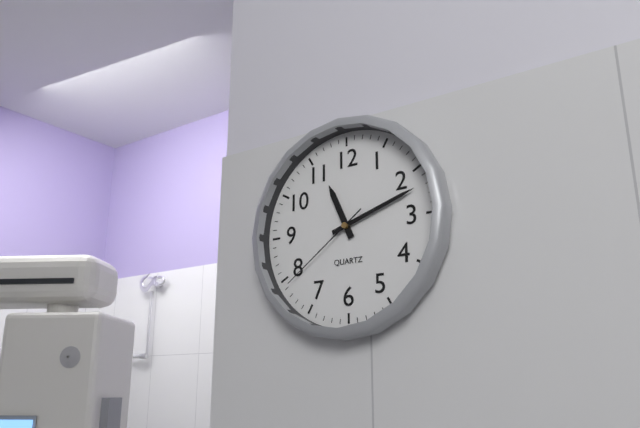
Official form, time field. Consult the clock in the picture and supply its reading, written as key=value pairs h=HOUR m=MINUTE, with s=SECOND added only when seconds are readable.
h=11 m=12 s=39
